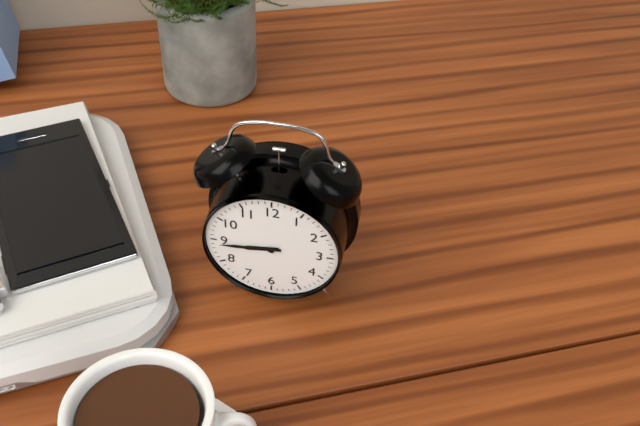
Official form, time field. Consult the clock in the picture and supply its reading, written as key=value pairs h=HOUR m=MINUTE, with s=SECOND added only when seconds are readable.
h=8 m=44
